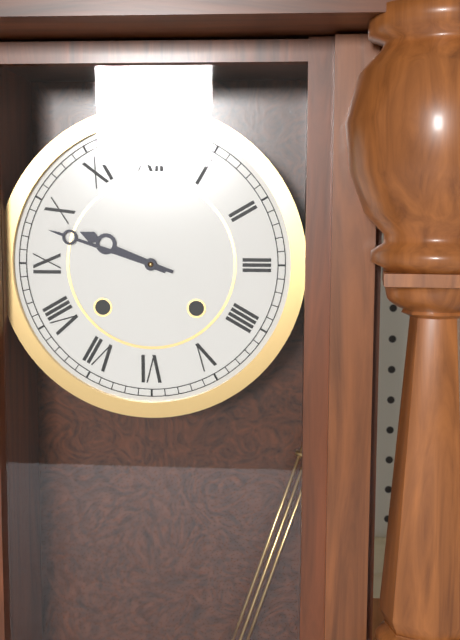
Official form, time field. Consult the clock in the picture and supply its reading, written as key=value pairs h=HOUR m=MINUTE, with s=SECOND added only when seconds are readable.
h=9 m=48
